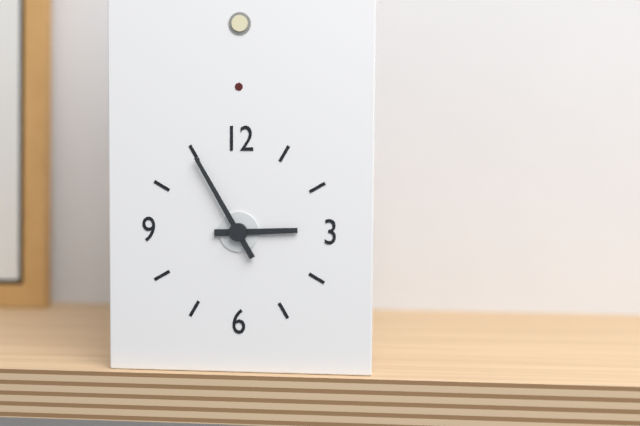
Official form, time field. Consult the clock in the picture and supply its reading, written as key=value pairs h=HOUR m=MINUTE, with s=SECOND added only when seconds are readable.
h=2 m=55
